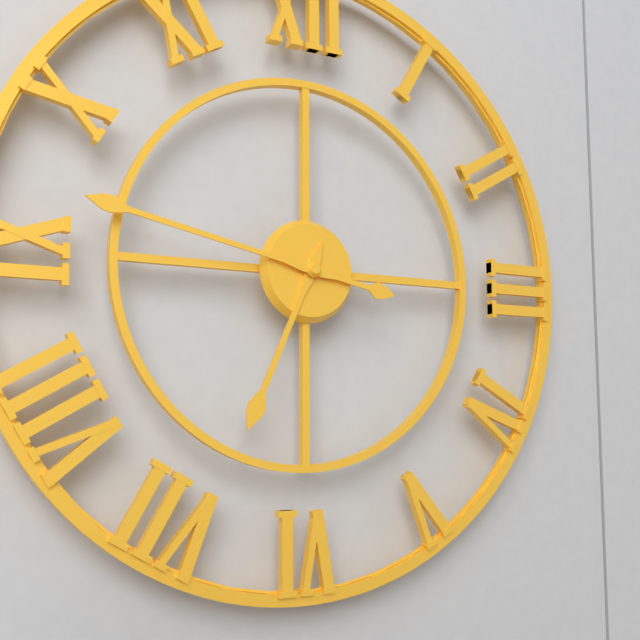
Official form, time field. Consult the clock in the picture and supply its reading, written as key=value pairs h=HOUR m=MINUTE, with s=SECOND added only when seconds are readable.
h=6 m=47
